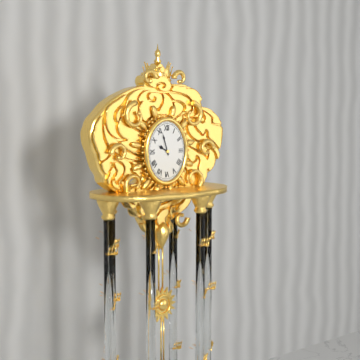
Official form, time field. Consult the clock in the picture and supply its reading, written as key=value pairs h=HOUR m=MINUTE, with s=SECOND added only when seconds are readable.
h=9 m=57
